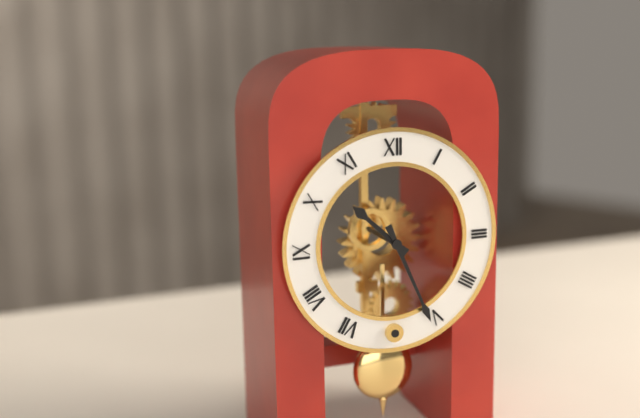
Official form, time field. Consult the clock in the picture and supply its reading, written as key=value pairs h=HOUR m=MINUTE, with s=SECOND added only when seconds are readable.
h=10 m=26
